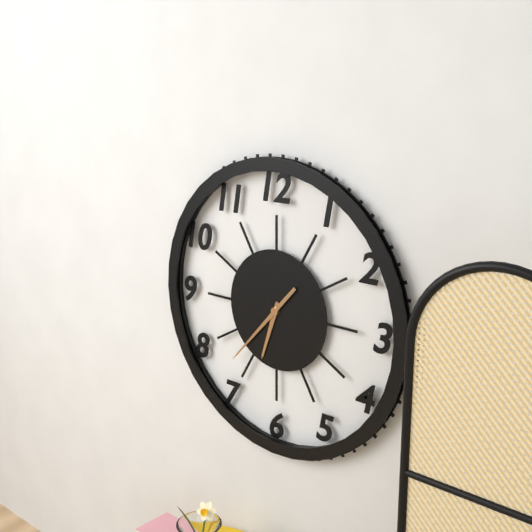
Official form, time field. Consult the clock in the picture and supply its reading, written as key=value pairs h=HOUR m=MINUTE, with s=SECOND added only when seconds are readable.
h=6 m=37
